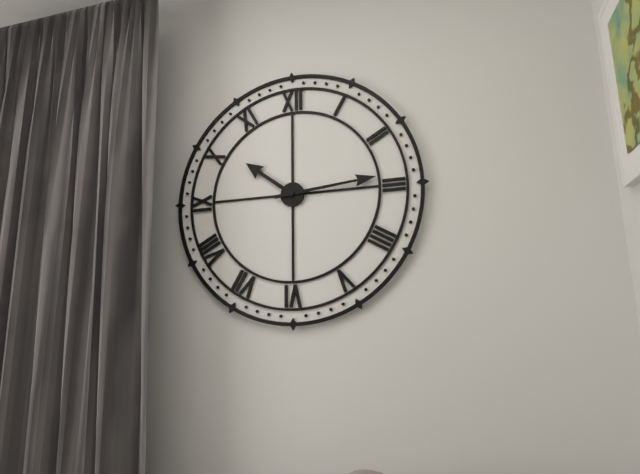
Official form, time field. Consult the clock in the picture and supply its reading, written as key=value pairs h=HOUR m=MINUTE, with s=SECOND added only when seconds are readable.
h=10 m=14
